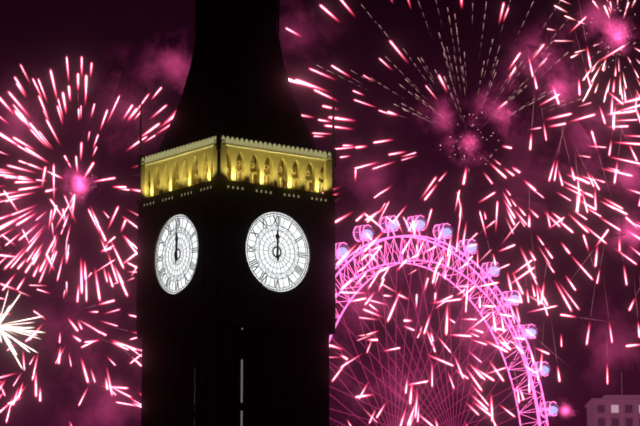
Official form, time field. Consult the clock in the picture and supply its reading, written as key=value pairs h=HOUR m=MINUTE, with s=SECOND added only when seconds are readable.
h=12 m=0
